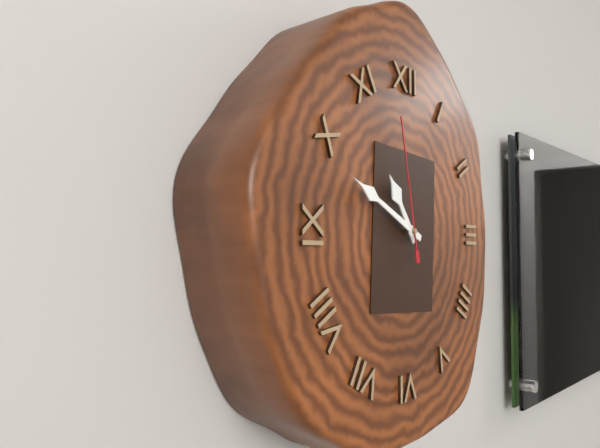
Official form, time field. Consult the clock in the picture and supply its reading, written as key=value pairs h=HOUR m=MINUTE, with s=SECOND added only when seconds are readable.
h=10 m=49 s=58
